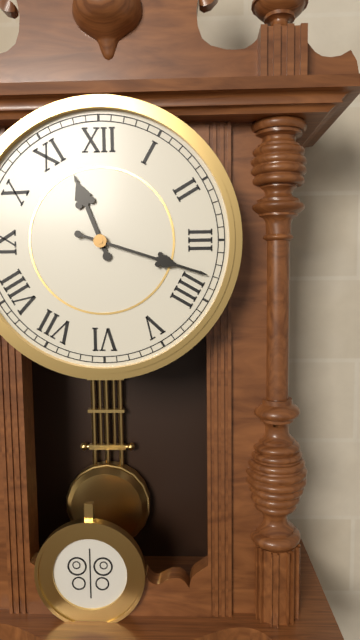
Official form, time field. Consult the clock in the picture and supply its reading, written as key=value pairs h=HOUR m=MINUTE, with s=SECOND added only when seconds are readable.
h=11 m=18
